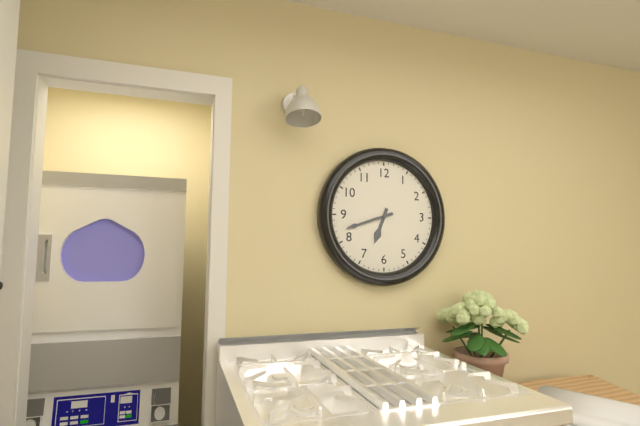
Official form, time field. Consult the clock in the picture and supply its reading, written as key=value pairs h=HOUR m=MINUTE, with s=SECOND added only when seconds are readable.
h=6 m=42
